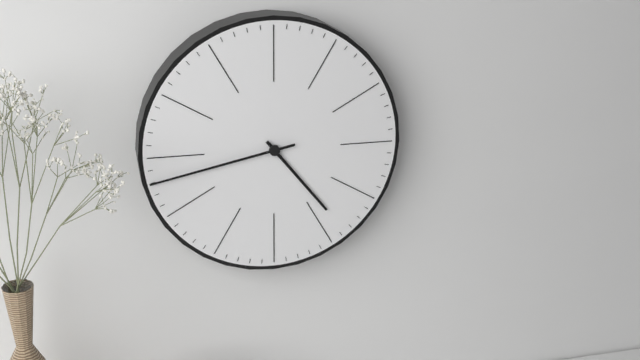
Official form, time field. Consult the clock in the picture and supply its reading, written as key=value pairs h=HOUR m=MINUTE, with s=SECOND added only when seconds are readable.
h=4 m=43
